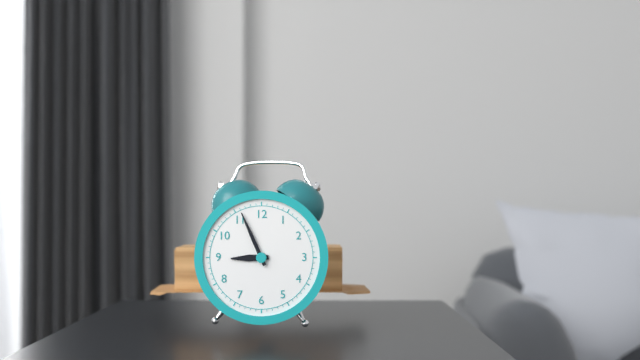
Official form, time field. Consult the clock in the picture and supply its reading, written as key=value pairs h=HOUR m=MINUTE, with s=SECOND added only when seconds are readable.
h=8 m=56
